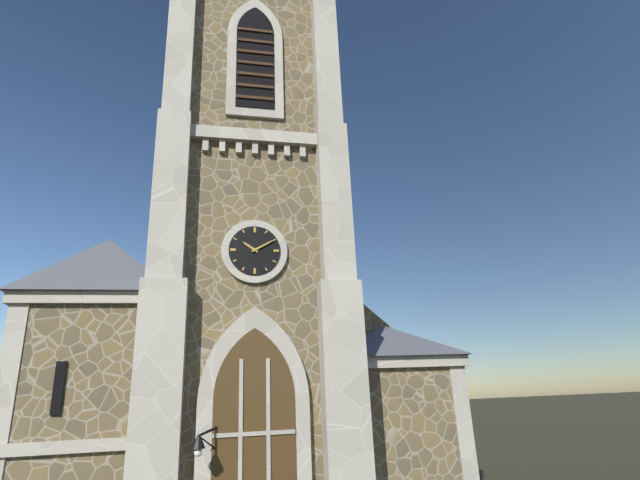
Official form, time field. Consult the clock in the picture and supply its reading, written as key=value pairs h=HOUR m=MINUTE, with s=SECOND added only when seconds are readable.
h=10 m=10
